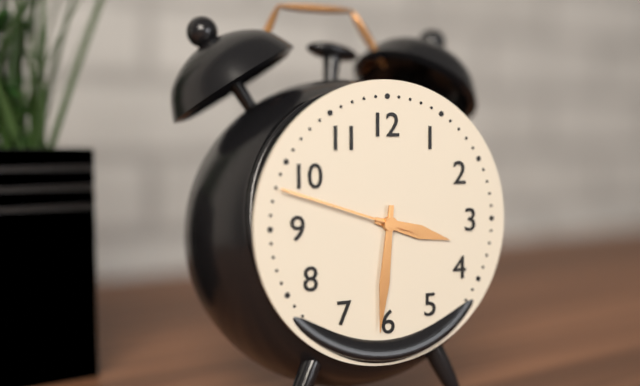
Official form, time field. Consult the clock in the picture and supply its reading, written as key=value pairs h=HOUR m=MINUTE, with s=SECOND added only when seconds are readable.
h=3 m=31 s=48
